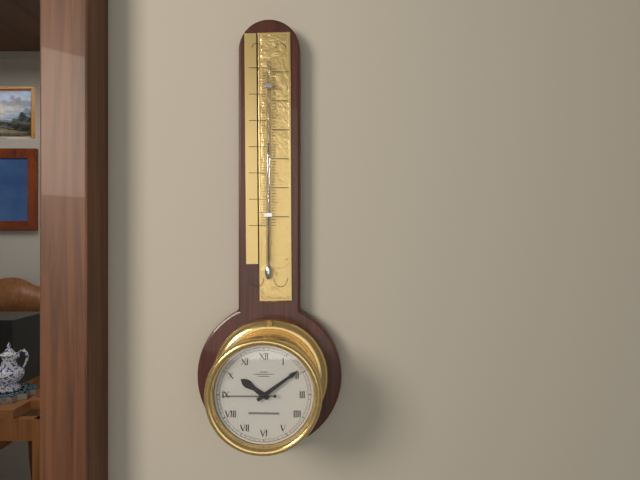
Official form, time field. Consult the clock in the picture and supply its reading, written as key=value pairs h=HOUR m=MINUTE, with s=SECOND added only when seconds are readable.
h=10 m=9 s=45
